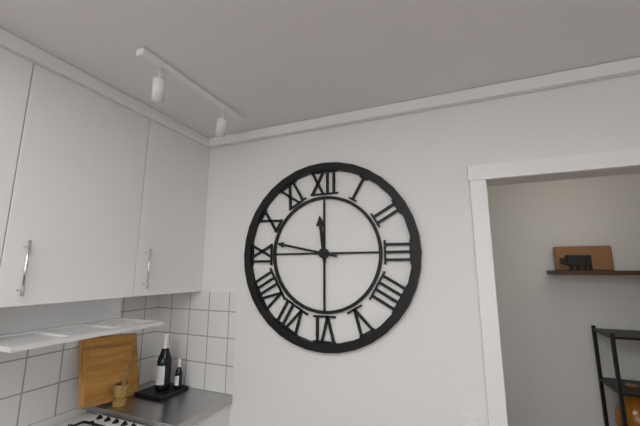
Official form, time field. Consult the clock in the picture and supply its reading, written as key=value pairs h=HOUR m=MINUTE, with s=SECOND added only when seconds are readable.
h=11 m=47
